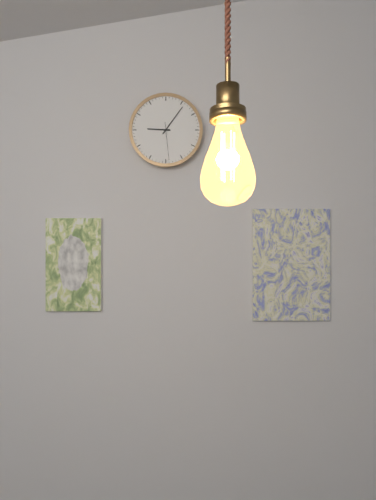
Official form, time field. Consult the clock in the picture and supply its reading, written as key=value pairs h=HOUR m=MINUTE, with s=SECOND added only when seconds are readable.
h=9 m=6
